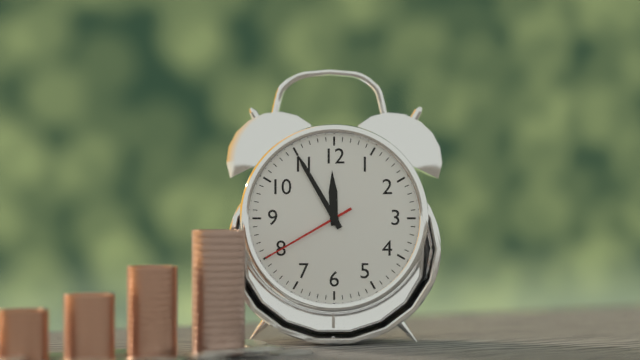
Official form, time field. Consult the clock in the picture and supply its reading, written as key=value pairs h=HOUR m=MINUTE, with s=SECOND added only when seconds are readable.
h=11 m=55 s=40
